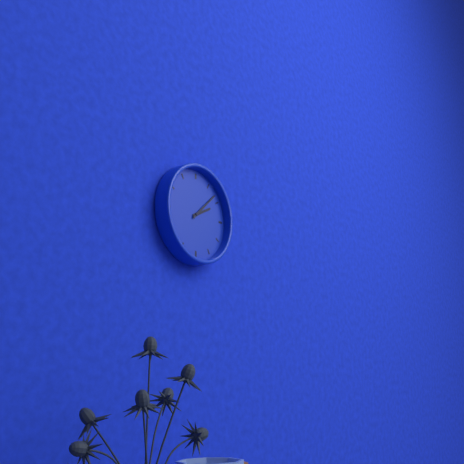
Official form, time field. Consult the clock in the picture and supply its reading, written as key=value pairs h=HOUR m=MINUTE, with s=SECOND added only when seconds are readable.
h=2 m=8
